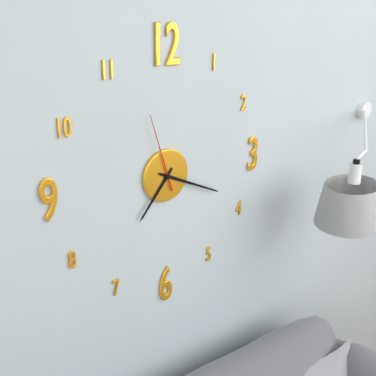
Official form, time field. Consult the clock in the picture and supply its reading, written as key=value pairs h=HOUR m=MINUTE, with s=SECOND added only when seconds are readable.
h=7 m=19 s=57
